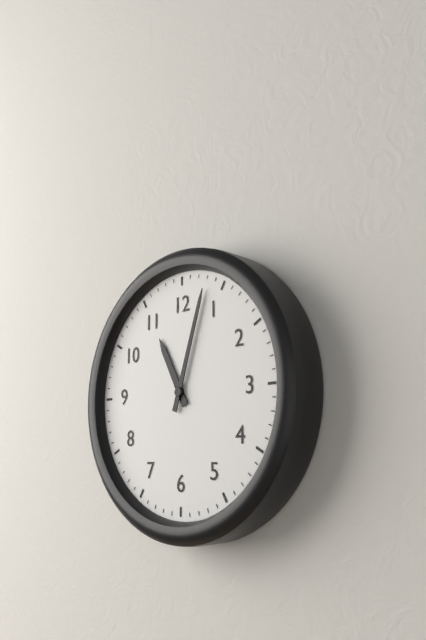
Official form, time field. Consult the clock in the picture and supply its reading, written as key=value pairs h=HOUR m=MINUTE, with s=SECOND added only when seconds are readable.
h=11 m=3
